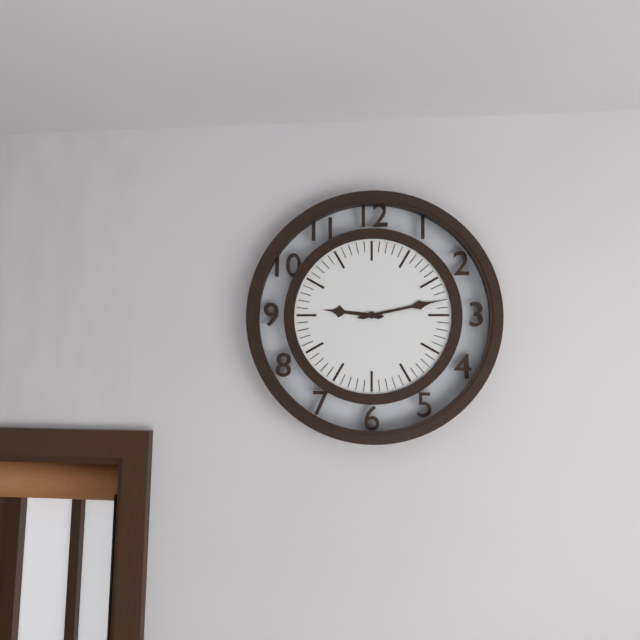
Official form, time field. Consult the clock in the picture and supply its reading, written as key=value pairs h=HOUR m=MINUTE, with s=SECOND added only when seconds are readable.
h=9 m=13
